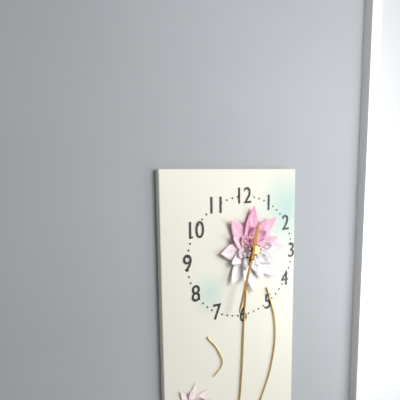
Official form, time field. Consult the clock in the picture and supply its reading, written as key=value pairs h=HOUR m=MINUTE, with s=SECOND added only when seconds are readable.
h=12 m=33
